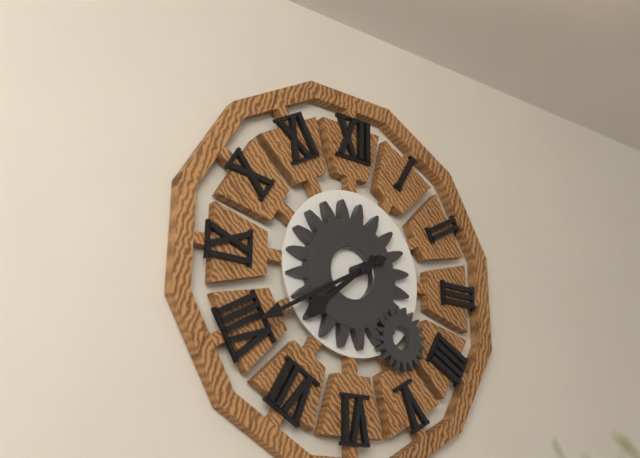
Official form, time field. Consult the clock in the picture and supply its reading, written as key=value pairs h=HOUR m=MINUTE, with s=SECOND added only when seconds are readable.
h=7 m=40
